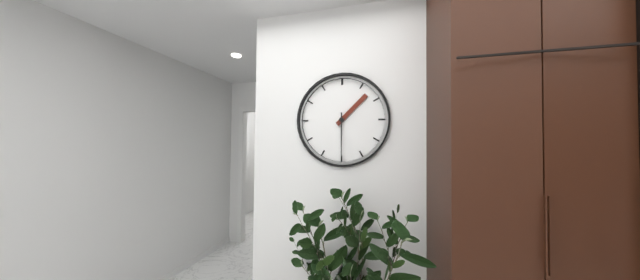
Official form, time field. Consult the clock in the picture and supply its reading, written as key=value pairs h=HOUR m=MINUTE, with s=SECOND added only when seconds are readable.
h=1 m=30
